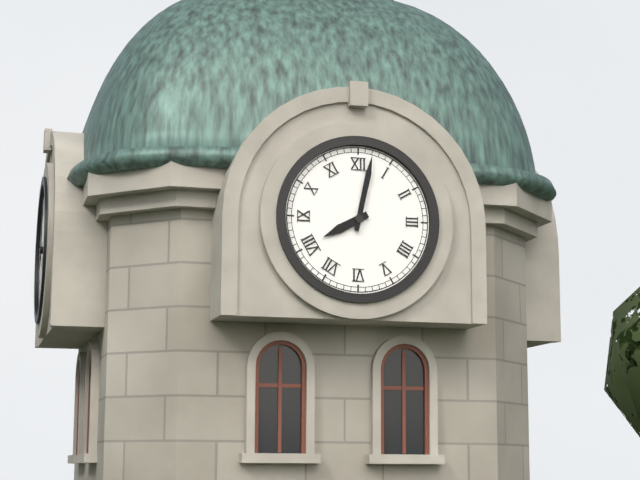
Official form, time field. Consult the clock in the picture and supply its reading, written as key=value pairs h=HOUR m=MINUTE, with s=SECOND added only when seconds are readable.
h=8 m=2
